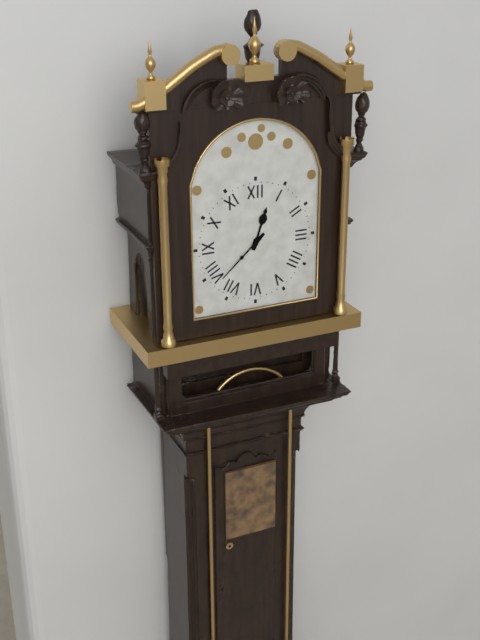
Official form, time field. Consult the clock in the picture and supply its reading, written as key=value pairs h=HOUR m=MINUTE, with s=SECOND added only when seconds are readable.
h=12 m=38
